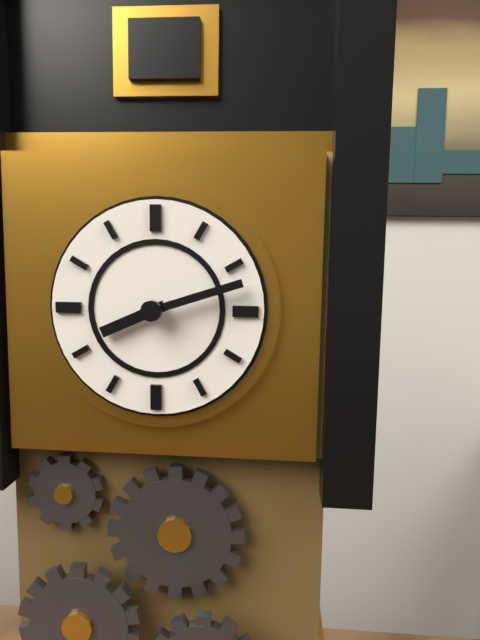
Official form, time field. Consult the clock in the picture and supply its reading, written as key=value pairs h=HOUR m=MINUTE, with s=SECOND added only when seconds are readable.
h=8 m=12
